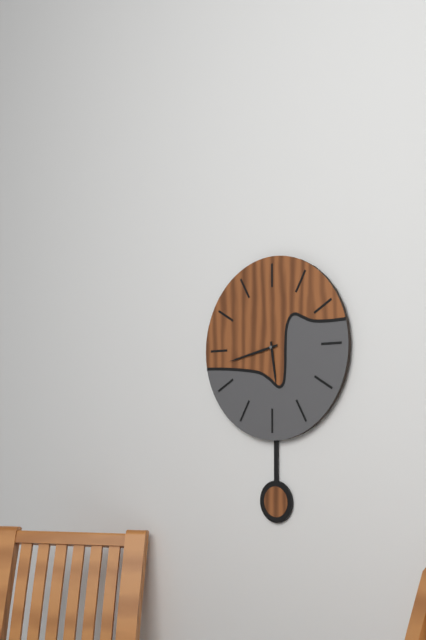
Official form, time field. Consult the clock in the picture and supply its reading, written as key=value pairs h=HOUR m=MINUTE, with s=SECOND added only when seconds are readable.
h=5 m=43
